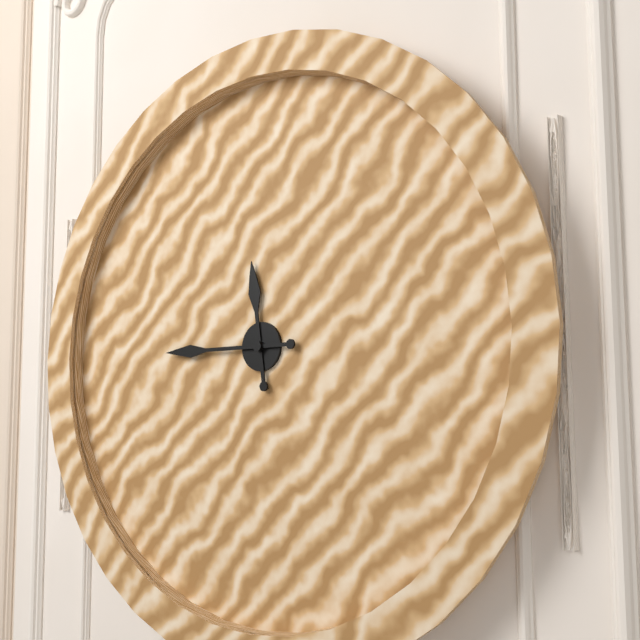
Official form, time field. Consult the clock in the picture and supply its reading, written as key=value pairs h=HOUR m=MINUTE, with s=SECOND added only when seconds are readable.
h=11 m=45
